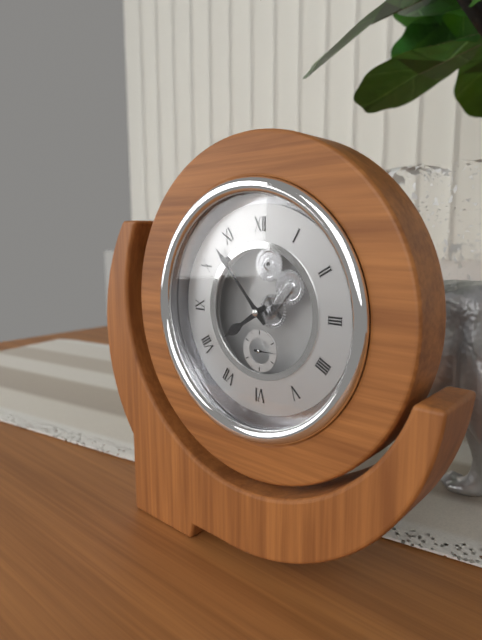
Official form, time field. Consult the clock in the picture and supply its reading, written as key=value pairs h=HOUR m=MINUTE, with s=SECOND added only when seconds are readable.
h=7 m=53
